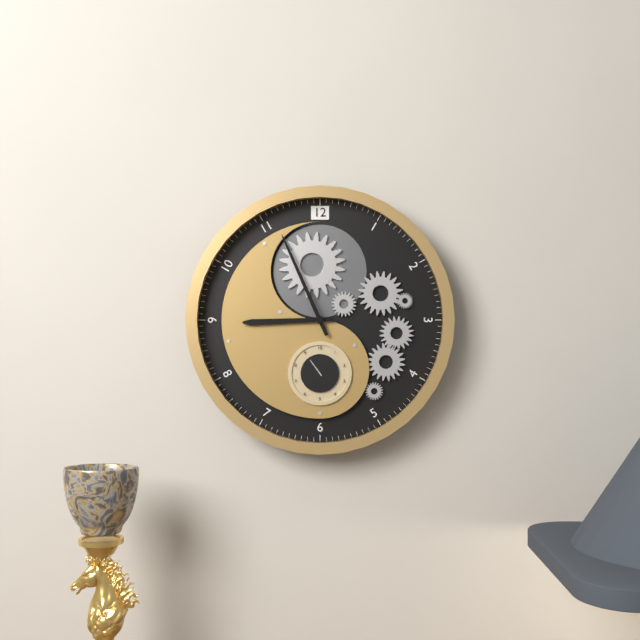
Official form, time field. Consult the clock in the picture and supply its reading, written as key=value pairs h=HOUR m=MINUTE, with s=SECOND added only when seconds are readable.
h=8 m=56
